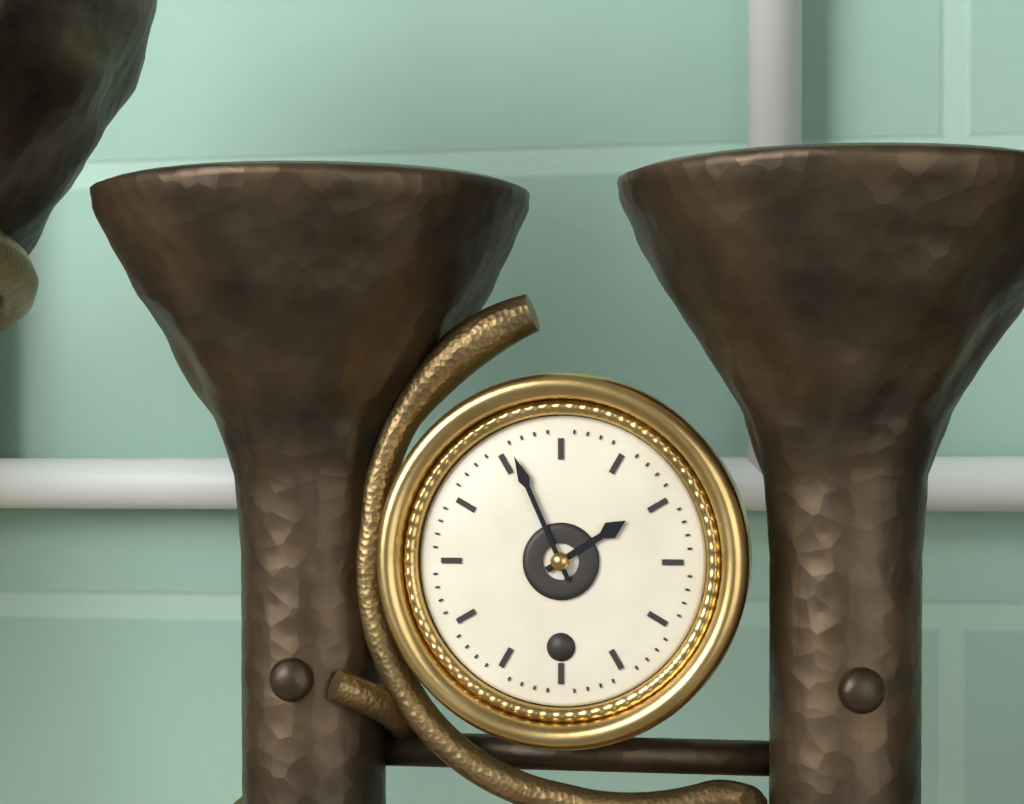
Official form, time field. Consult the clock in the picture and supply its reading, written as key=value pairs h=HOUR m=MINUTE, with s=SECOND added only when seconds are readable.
h=1 m=56
